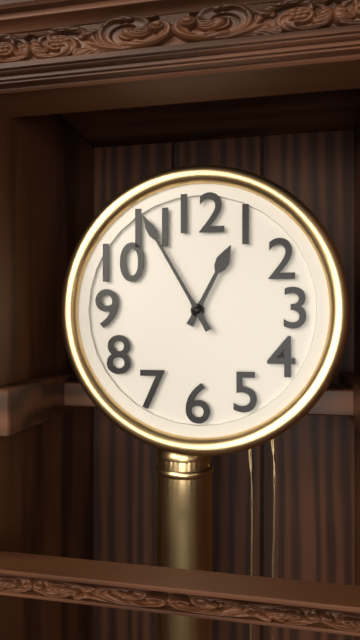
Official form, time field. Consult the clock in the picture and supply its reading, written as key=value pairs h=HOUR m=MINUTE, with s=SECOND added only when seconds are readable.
h=12 m=55
